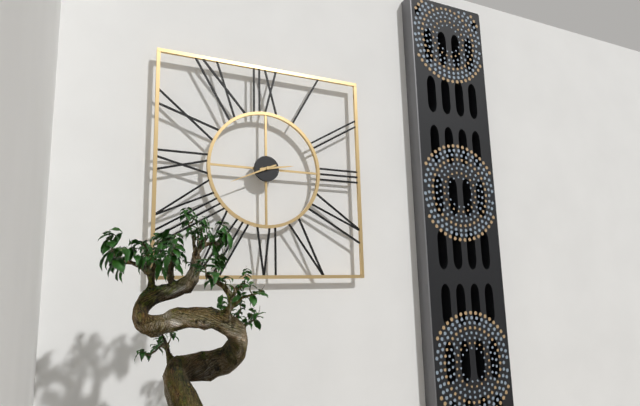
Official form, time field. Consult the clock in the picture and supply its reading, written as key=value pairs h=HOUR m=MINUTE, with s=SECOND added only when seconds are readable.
h=2 m=41
